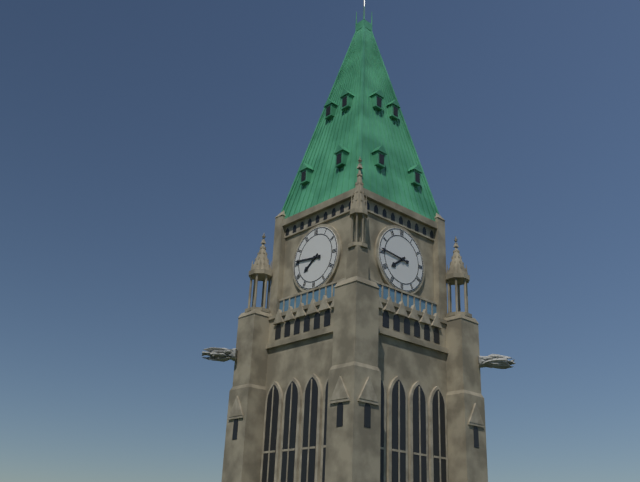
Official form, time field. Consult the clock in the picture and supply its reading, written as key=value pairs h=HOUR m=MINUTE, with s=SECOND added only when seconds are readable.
h=7 m=46
